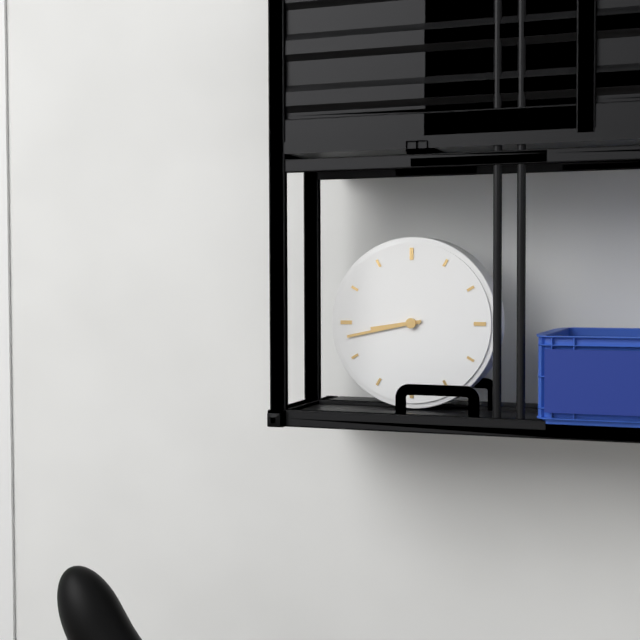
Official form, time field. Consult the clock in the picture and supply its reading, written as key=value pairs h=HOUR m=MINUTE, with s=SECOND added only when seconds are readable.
h=8 m=43
